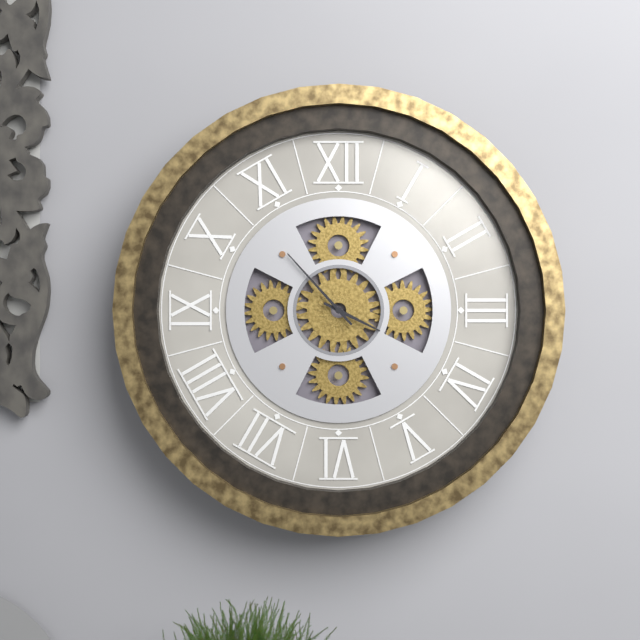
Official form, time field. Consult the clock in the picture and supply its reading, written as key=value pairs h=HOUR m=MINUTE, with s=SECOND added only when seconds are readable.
h=3 m=53
